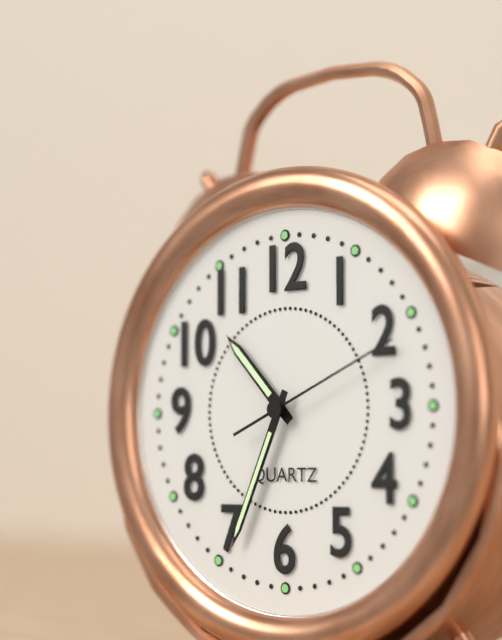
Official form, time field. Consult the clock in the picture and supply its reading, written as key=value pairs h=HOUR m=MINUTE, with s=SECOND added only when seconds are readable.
h=10 m=34 s=11
